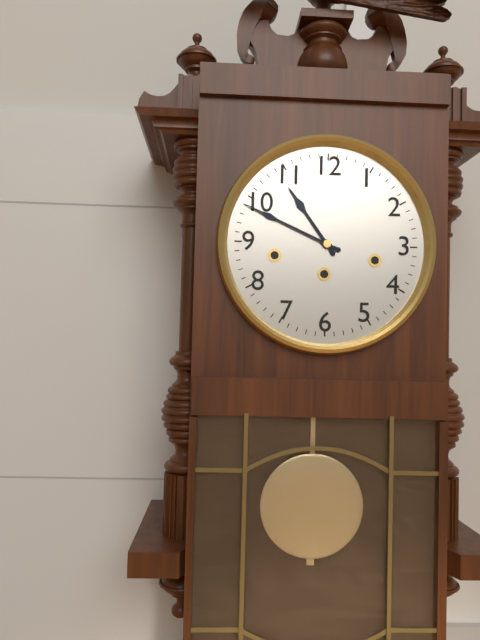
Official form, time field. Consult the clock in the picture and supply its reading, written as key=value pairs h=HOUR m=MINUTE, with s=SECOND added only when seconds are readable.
h=10 m=49
